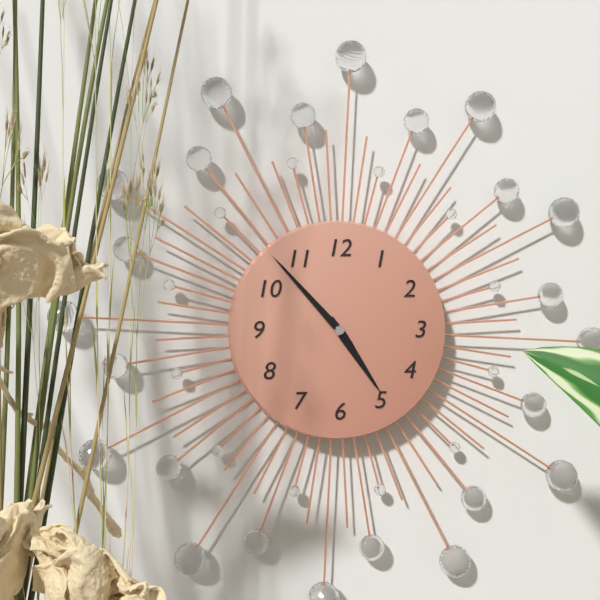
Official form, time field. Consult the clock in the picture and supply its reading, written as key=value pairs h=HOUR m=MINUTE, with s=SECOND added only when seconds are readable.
h=4 m=53
